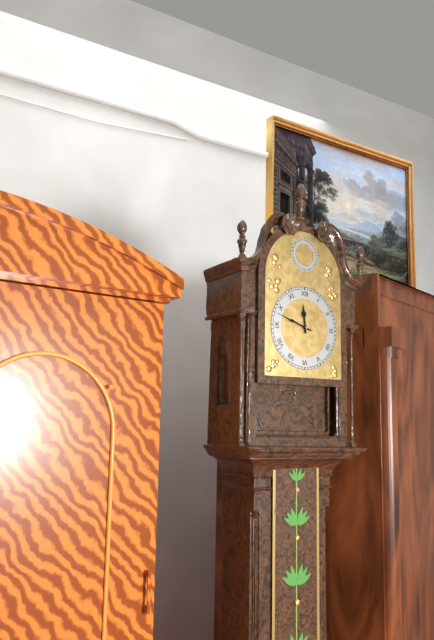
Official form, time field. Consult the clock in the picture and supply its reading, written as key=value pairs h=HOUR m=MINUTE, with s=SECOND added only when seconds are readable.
h=11 m=48
